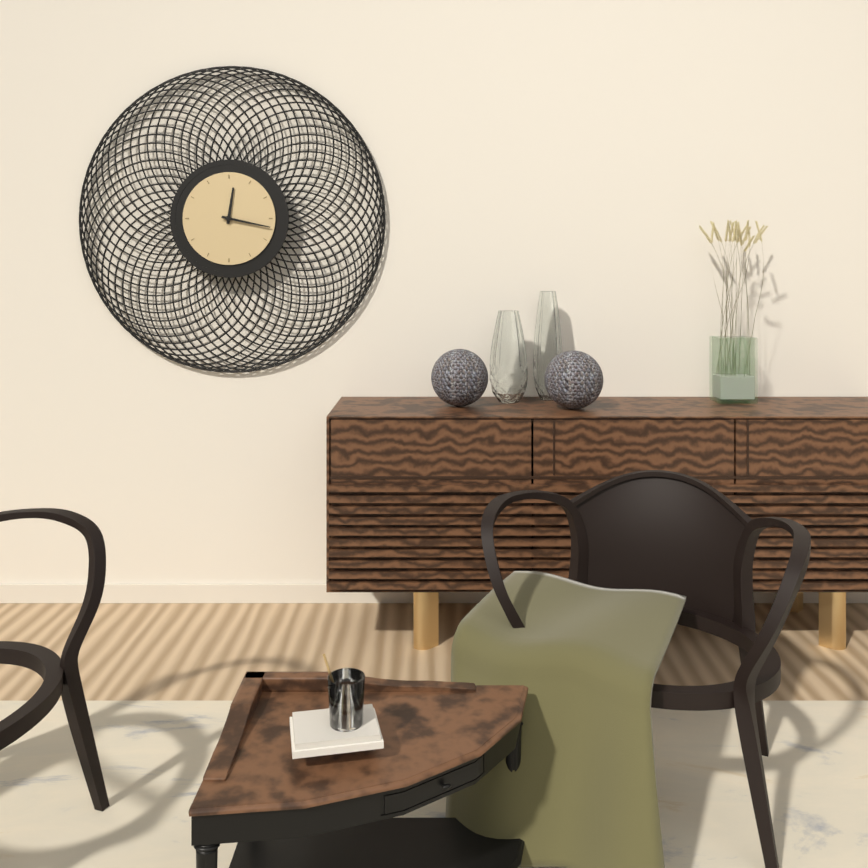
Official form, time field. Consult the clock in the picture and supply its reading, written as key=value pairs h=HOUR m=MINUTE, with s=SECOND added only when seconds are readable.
h=12 m=17
